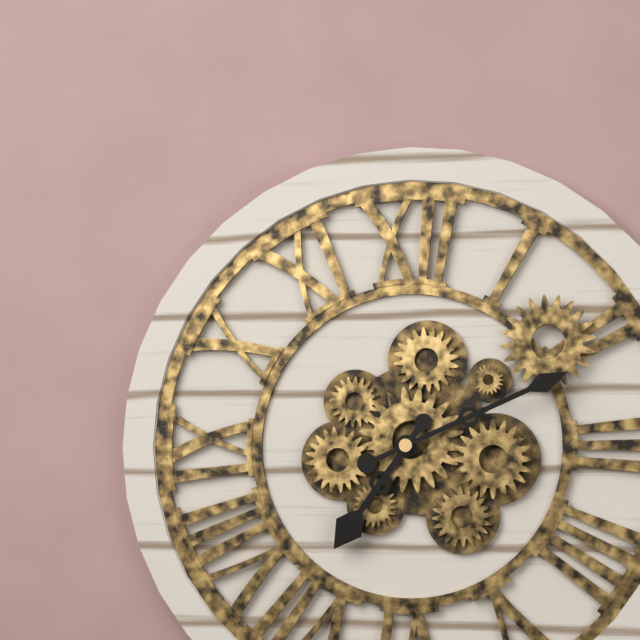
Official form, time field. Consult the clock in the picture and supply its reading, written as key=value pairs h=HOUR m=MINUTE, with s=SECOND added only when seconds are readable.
h=7 m=11
